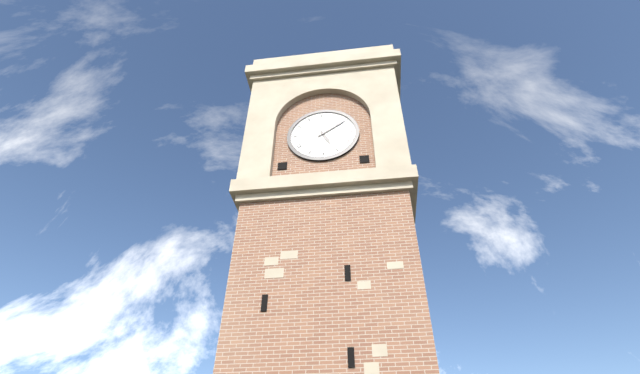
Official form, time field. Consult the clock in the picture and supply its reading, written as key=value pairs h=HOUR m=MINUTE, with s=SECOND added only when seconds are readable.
h=5 m=9
